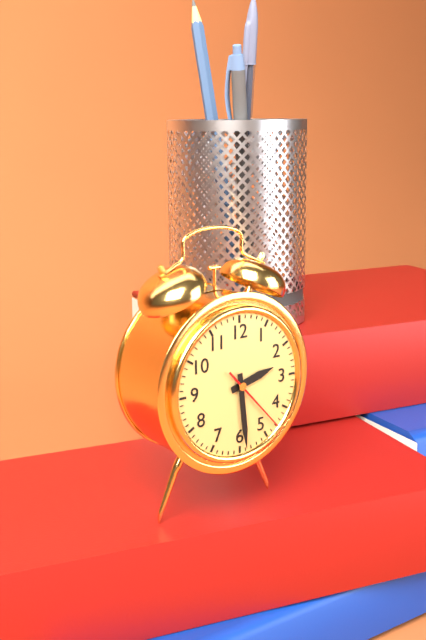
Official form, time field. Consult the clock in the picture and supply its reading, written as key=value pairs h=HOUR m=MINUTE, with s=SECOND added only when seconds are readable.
h=2 m=29 s=23
